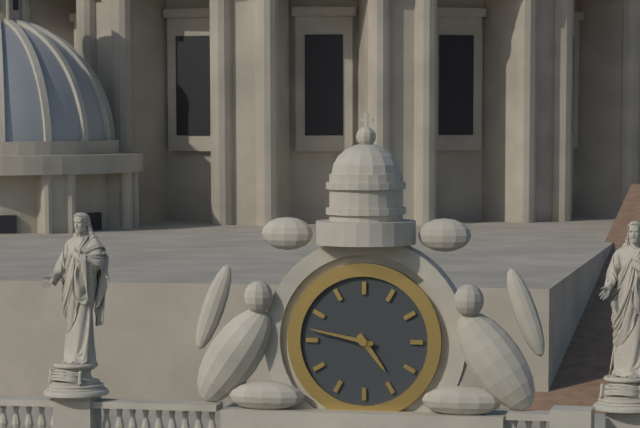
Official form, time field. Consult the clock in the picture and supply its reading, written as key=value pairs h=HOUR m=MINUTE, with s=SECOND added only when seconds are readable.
h=4 m=47
